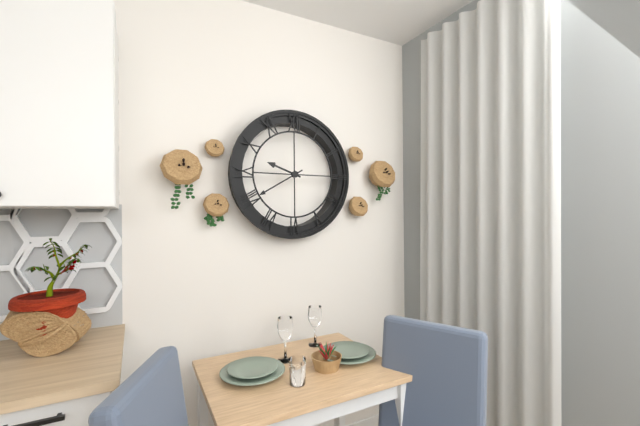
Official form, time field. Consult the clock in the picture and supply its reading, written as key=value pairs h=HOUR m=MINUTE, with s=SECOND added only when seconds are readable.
h=9 m=40
